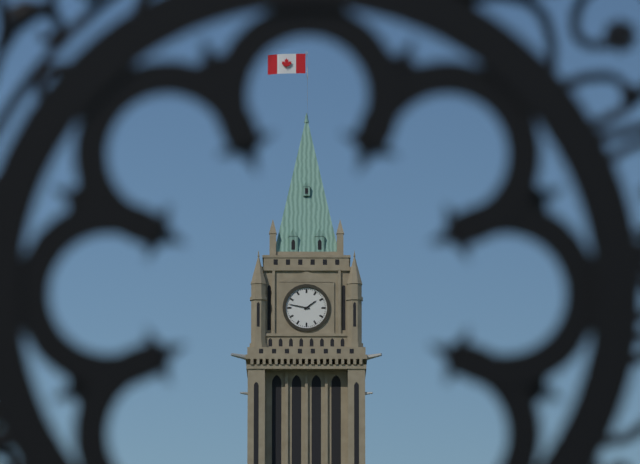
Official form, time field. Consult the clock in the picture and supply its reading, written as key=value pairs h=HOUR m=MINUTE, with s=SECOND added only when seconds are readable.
h=1 m=47
